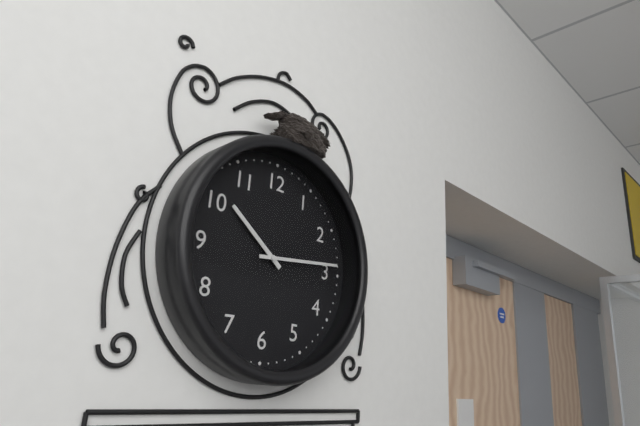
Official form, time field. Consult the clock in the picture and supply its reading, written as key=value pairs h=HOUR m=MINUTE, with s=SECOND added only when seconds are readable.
h=10 m=14
